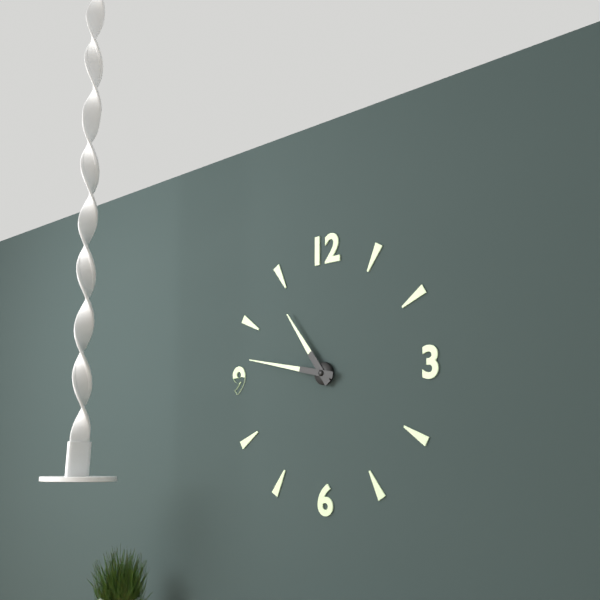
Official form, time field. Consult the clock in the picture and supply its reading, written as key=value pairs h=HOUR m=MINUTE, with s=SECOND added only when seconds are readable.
h=10 m=47
